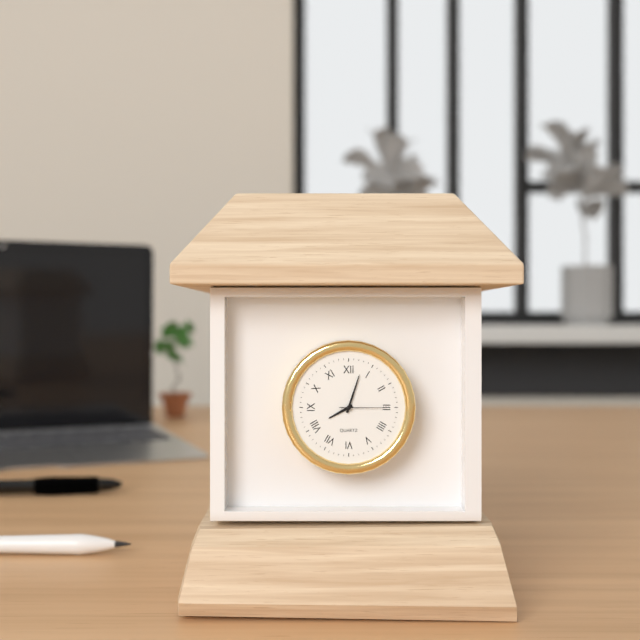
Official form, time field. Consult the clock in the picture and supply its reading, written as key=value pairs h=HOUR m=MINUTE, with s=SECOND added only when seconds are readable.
h=8 m=3
